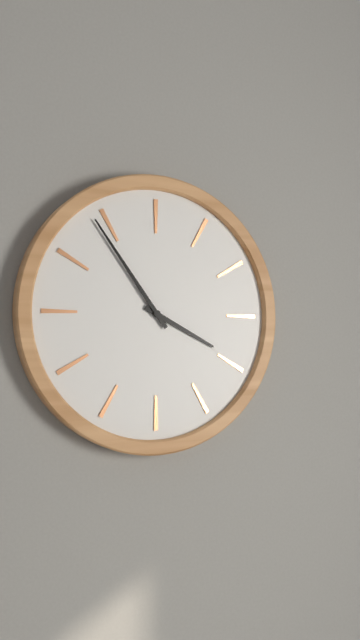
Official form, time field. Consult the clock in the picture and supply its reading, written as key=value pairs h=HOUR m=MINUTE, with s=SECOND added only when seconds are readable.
h=3 m=54
